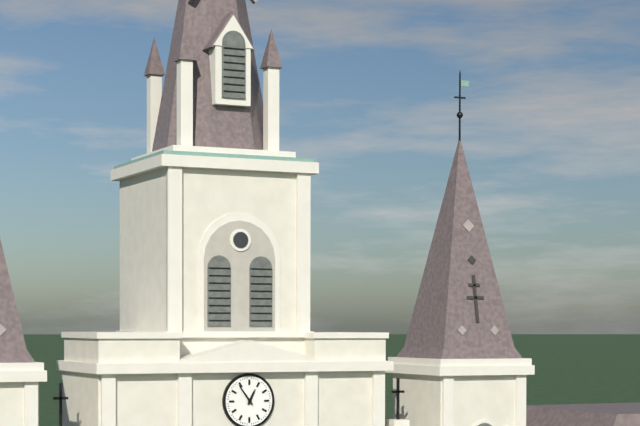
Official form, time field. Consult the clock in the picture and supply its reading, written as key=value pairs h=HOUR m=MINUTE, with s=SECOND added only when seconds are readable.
h=12 m=54
